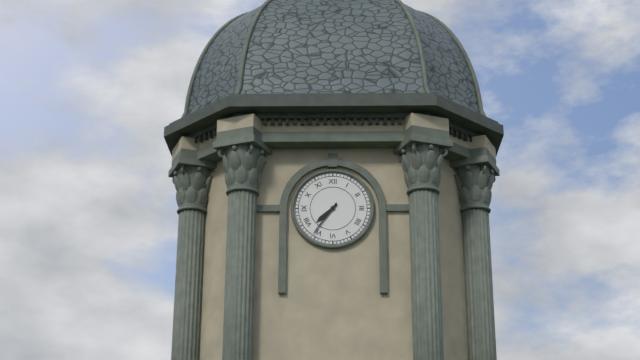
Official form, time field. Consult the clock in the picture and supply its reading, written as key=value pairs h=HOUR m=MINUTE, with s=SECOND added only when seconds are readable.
h=7 m=36
